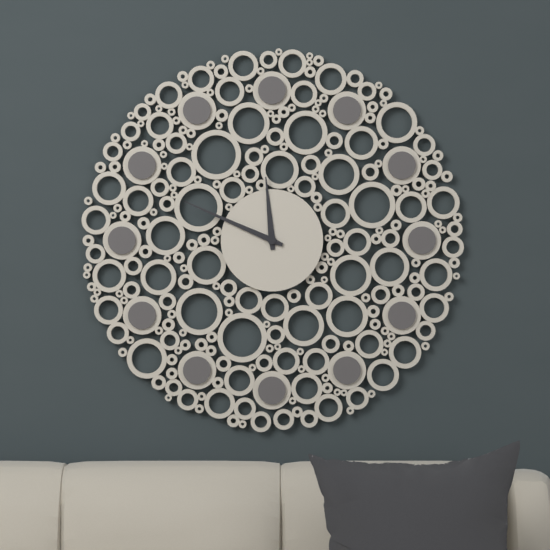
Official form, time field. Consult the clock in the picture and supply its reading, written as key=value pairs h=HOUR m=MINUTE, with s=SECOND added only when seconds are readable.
h=11 m=49
